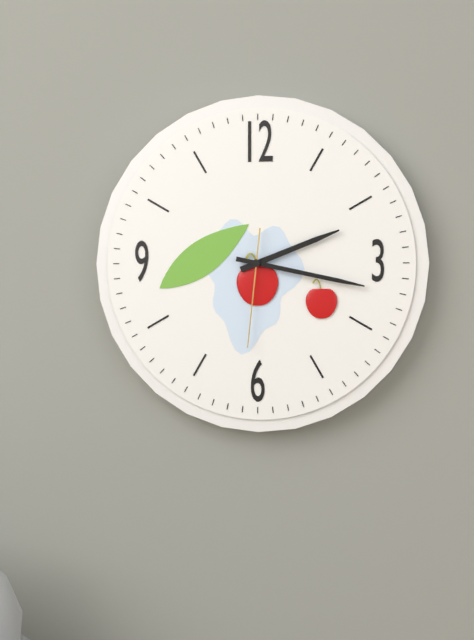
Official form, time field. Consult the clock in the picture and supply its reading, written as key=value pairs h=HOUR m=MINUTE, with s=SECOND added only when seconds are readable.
h=2 m=17 s=31
